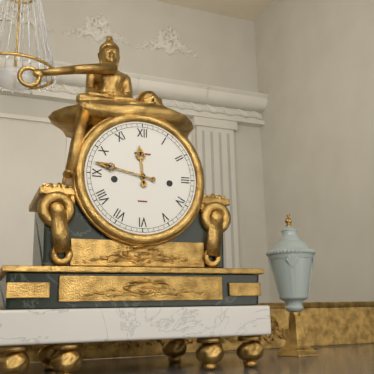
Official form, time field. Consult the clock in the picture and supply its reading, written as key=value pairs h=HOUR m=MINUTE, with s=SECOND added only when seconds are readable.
h=11 m=47
